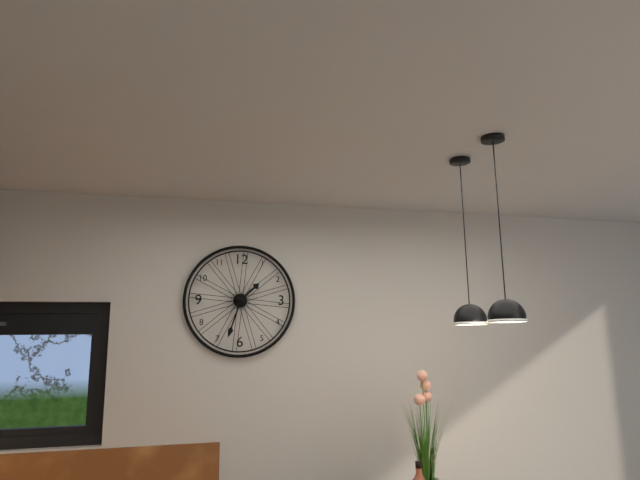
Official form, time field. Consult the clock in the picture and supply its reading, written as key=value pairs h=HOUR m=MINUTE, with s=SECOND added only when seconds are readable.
h=1 m=33
